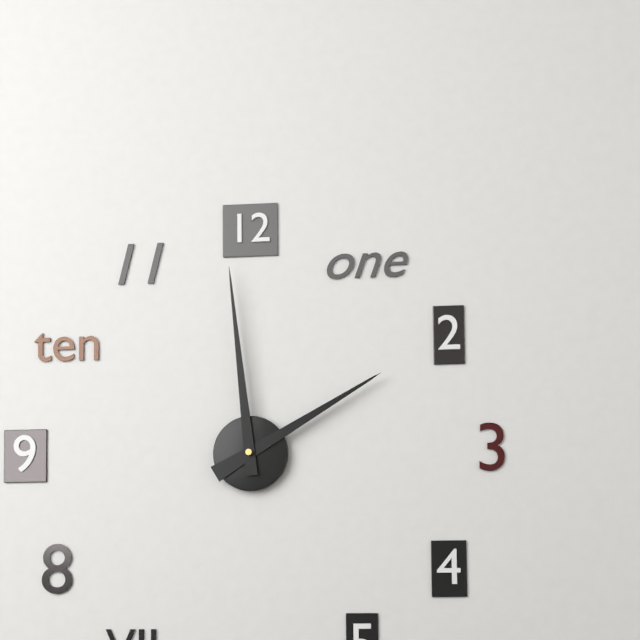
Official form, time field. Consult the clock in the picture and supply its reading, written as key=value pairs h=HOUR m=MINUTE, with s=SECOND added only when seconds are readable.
h=1 m=59
